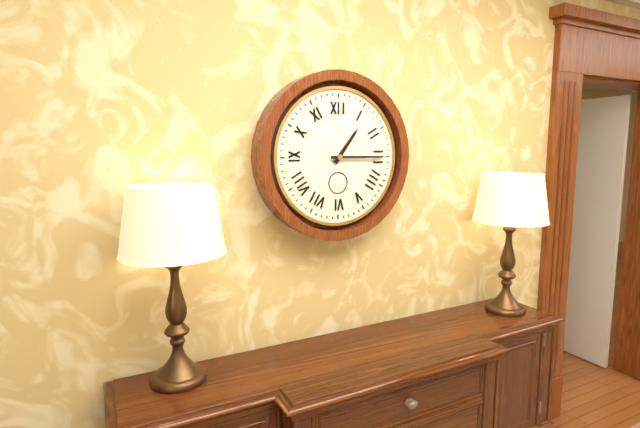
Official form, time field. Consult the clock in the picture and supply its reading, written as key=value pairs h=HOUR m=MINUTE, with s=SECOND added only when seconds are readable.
h=1 m=15
